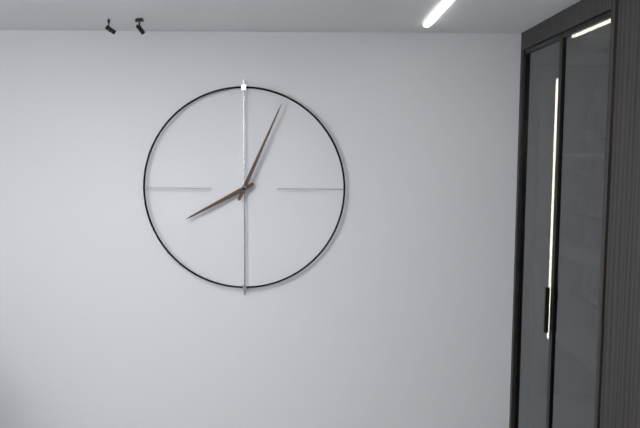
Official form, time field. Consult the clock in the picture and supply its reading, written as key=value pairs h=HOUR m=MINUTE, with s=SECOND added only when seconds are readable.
h=8 m=4
